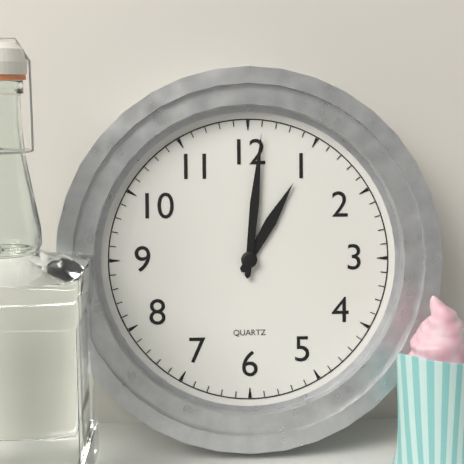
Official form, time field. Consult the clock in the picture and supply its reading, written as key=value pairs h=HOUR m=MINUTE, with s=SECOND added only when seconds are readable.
h=1 m=1
